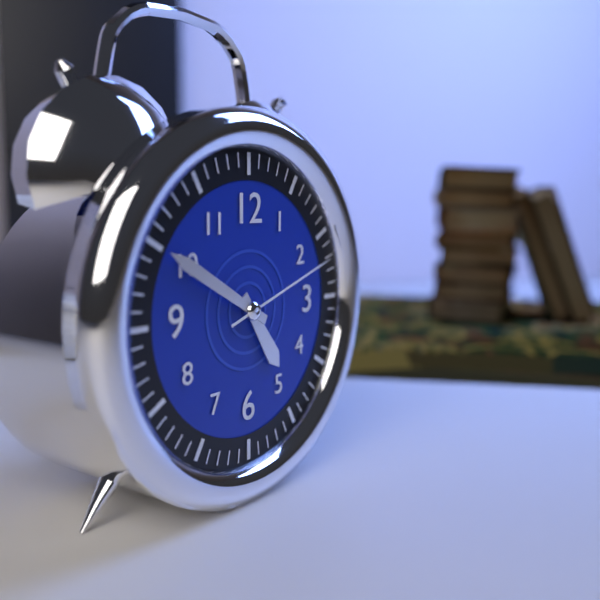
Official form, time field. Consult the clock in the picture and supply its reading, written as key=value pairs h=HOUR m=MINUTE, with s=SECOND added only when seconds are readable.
h=4 m=50 s=12
